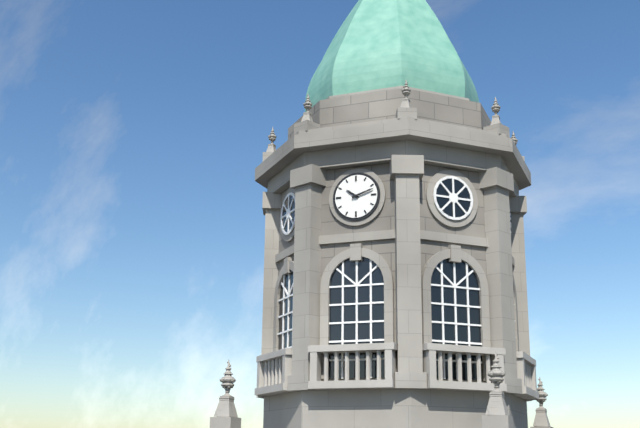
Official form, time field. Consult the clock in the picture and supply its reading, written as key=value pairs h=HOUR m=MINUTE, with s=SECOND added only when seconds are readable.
h=10 m=12
